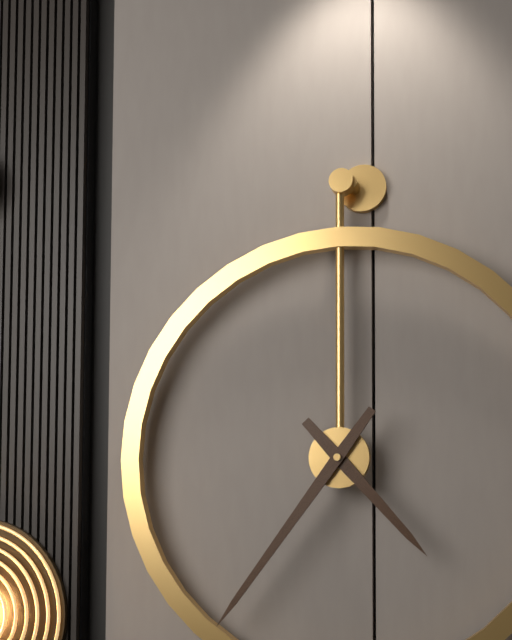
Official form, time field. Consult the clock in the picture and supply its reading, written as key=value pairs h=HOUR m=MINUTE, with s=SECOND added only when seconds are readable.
h=4 m=36
